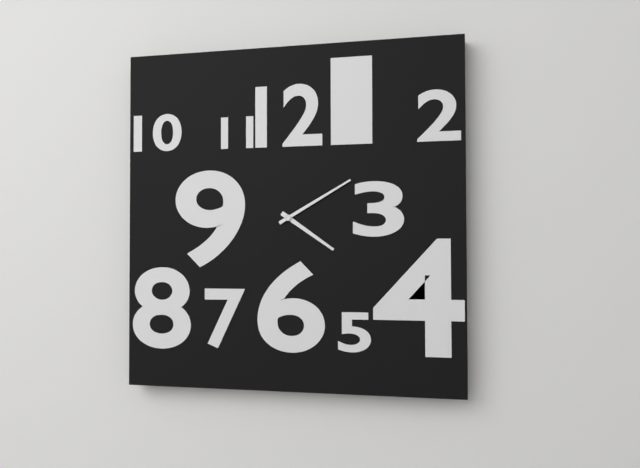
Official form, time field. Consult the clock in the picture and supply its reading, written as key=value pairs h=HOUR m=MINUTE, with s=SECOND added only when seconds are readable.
h=4 m=10
